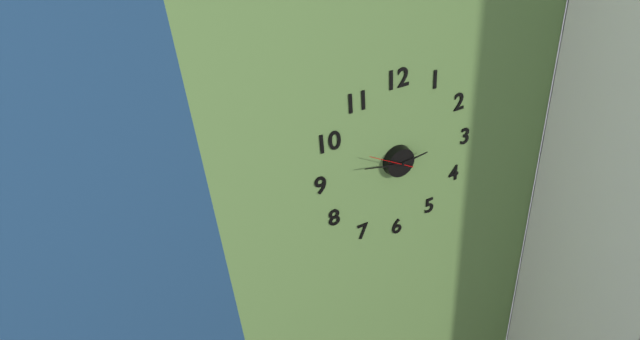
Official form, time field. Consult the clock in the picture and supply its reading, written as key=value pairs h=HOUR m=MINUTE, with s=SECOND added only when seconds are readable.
h=2 m=47
